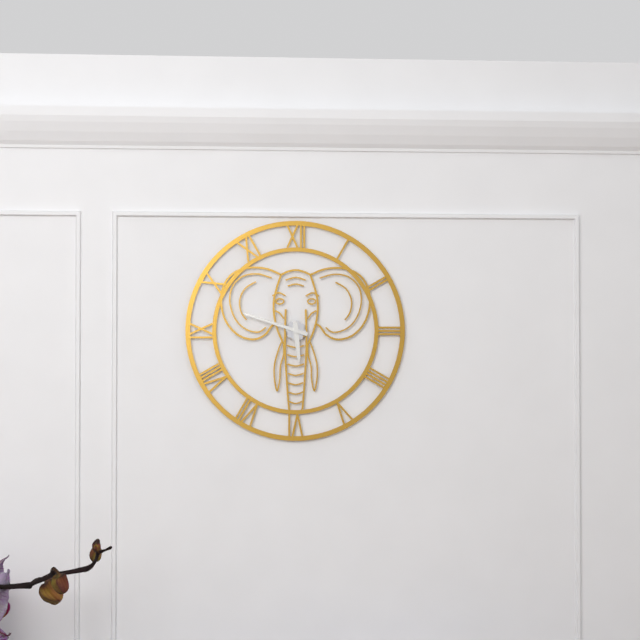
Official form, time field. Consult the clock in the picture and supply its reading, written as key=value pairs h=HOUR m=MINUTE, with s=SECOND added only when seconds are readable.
h=5 m=48
